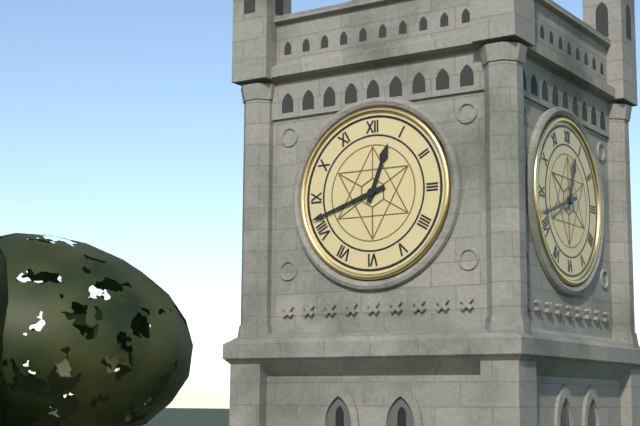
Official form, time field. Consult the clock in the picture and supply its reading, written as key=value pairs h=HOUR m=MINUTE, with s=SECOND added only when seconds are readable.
h=12 m=42
